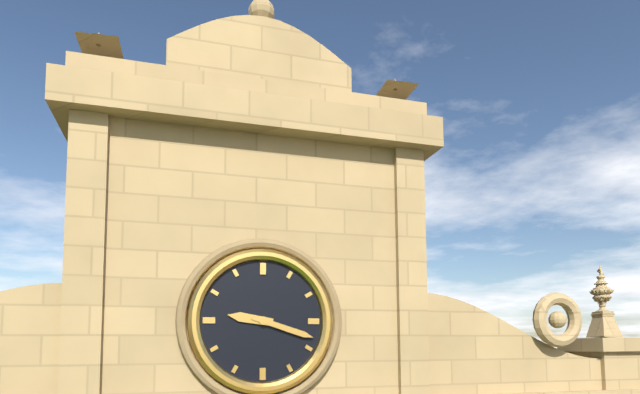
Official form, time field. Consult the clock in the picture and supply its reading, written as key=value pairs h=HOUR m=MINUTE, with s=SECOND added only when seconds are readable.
h=9 m=18
